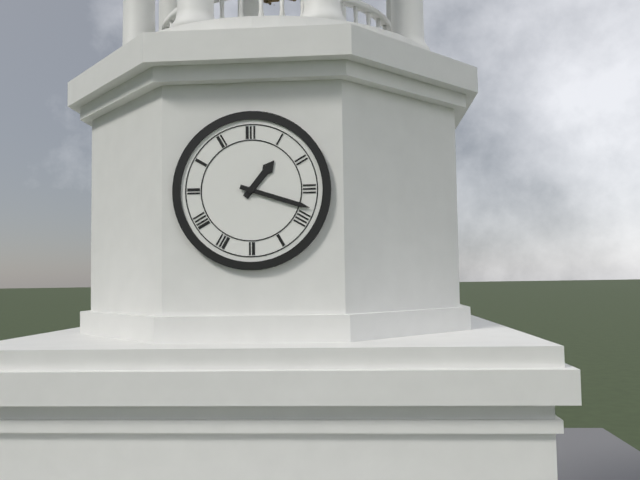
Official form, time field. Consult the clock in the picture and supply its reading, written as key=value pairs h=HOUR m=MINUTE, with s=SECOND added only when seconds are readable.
h=1 m=18
